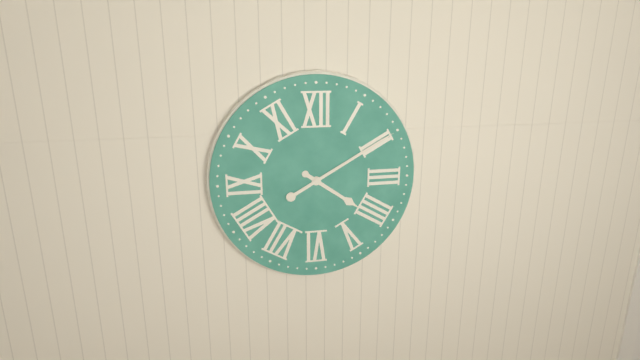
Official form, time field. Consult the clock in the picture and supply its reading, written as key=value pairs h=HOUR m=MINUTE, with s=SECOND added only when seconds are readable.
h=4 m=10
